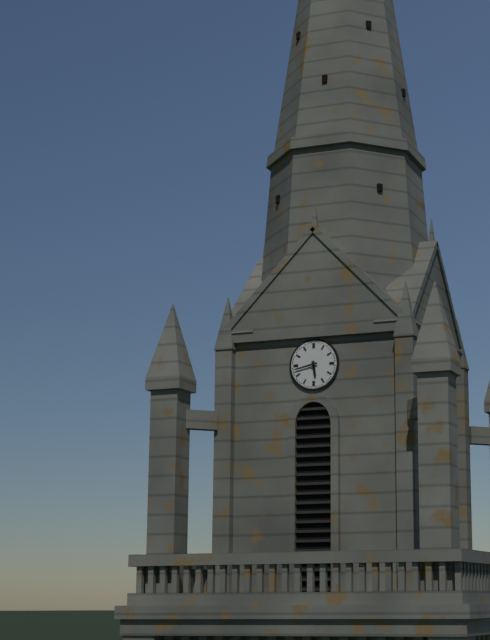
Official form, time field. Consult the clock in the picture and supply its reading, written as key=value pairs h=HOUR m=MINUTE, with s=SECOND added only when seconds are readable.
h=5 m=43
